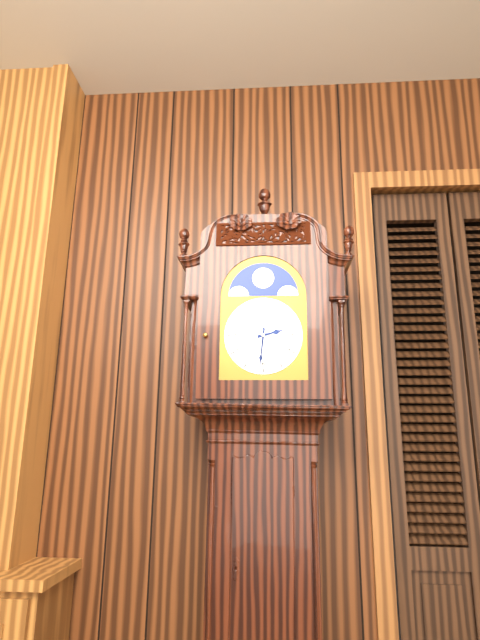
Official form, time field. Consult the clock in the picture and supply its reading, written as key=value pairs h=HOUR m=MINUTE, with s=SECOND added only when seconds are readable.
h=2 m=31
